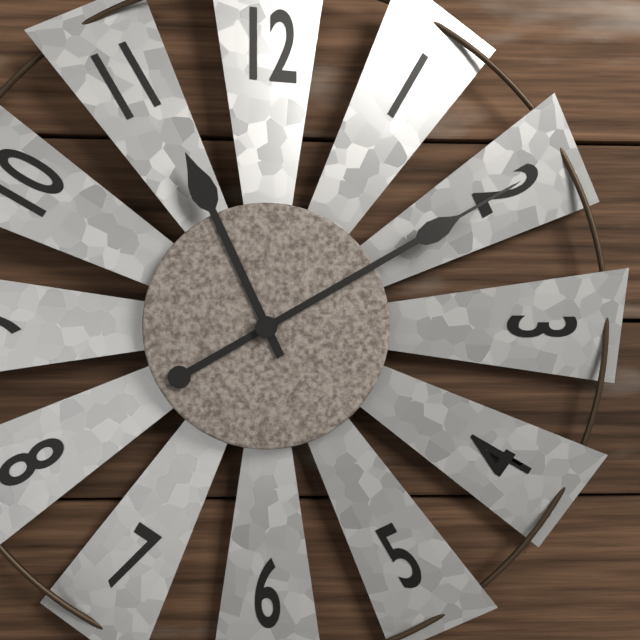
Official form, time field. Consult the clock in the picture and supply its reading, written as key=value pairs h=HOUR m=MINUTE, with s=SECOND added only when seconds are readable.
h=11 m=10
